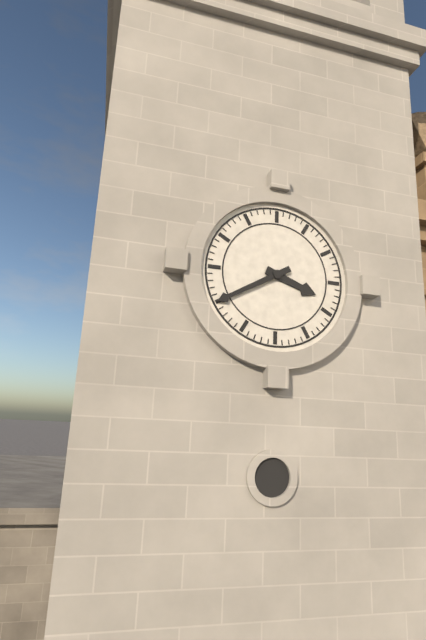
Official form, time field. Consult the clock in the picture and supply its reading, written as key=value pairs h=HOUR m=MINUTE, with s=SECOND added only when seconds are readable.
h=3 m=40
